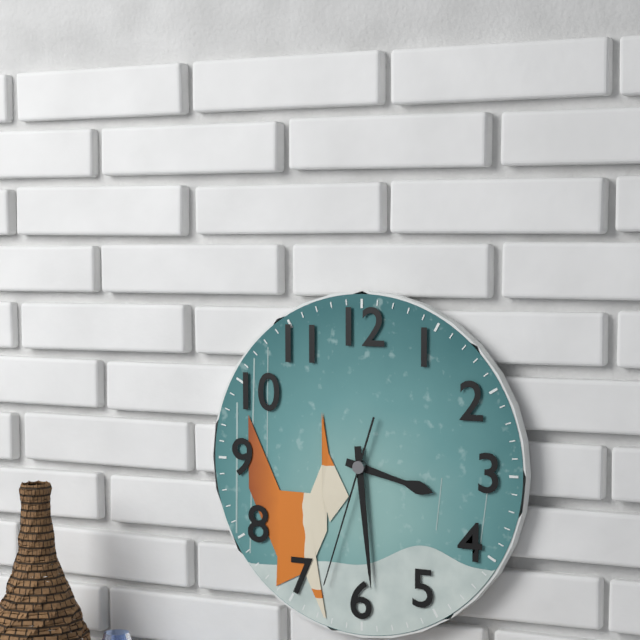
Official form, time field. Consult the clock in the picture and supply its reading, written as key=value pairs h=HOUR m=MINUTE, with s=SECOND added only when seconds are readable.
h=3 m=29 s=33
